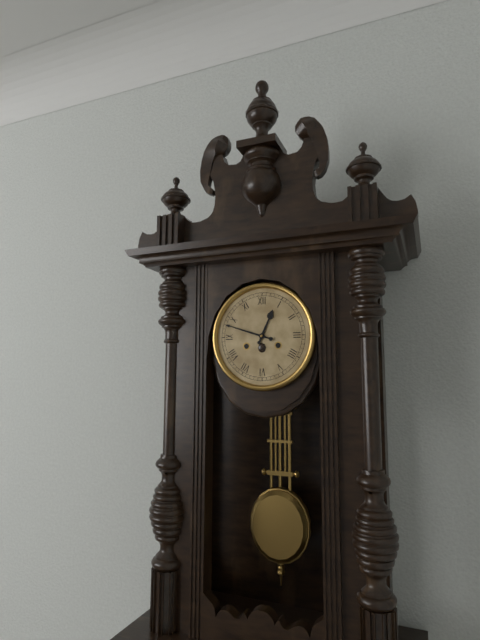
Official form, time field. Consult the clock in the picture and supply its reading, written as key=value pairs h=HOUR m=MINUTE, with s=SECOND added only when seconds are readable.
h=12 m=48
